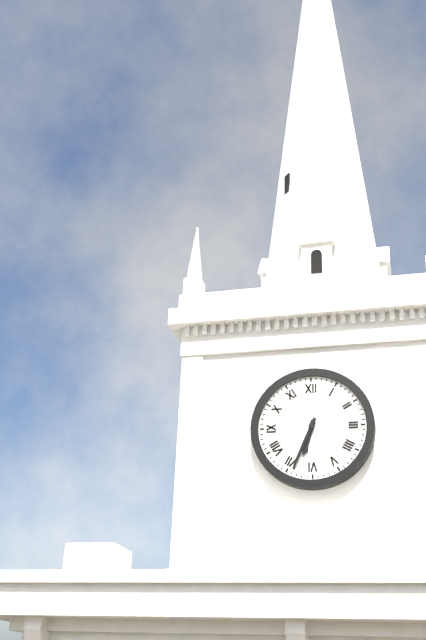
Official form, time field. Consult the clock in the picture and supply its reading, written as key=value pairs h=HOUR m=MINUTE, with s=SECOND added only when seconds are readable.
h=6 m=34
